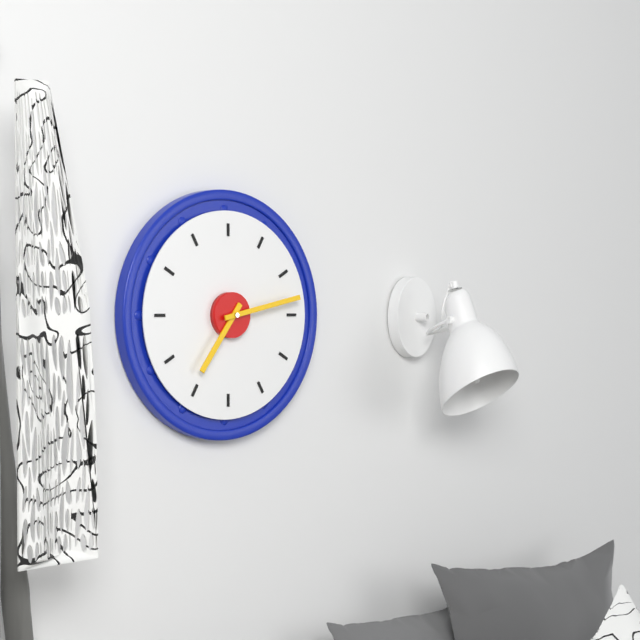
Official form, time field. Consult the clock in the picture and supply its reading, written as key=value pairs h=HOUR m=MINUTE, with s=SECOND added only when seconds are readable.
h=7 m=13
